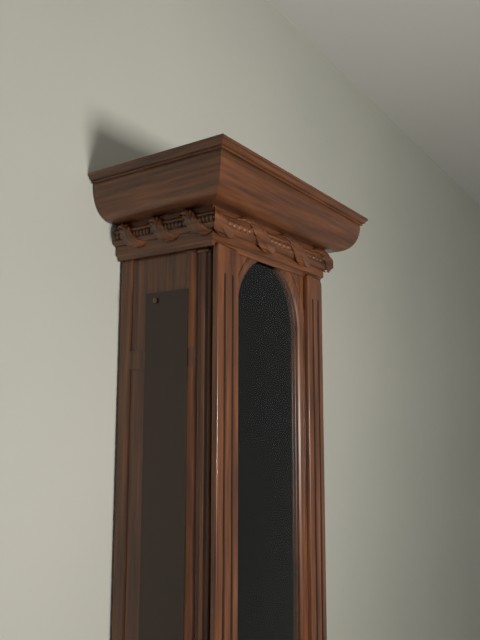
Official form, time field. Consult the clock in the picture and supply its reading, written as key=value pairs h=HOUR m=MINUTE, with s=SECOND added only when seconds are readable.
h=8 m=19
